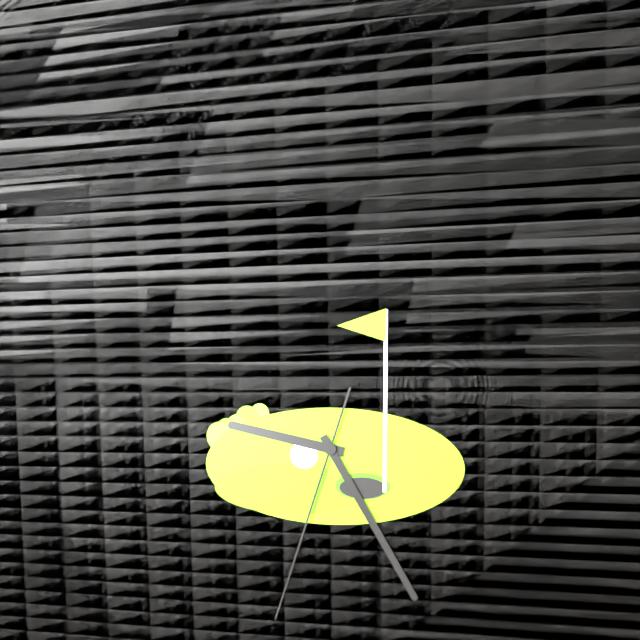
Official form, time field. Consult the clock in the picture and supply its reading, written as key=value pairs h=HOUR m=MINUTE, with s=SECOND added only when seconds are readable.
h=9 m=25 s=33
